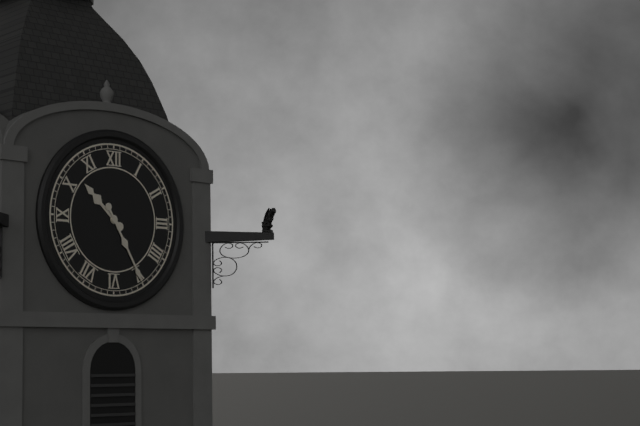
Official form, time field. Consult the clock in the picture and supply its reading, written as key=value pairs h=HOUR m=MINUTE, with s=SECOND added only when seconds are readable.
h=10 m=25
